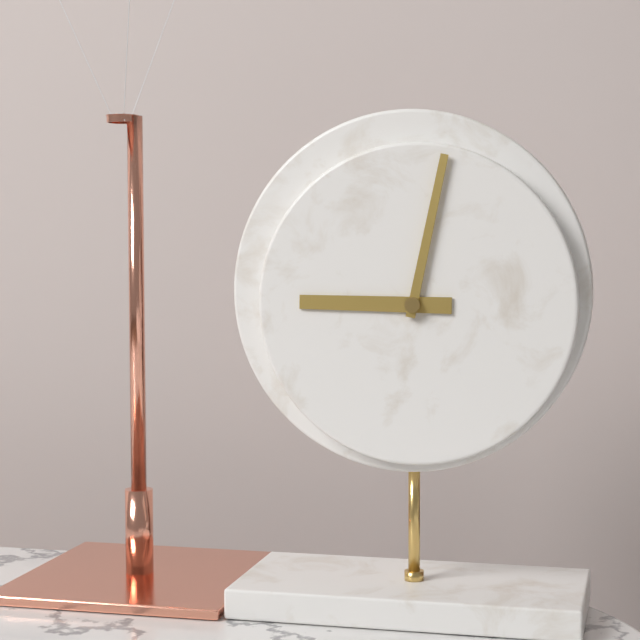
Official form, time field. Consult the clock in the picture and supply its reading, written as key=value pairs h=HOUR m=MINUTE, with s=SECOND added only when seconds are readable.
h=9 m=2
